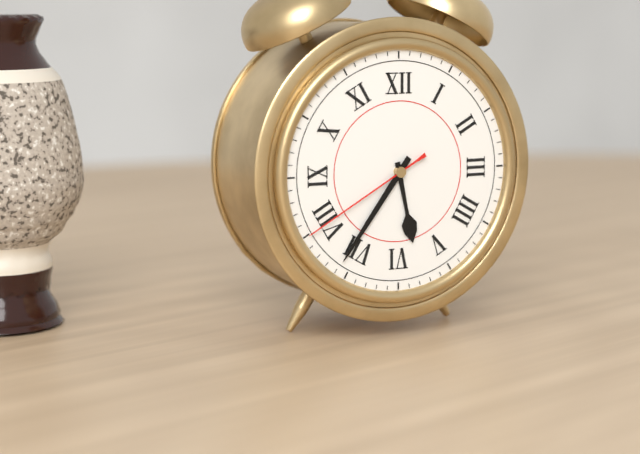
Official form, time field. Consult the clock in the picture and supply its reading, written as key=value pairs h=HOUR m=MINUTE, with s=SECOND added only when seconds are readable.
h=5 m=36 s=40
